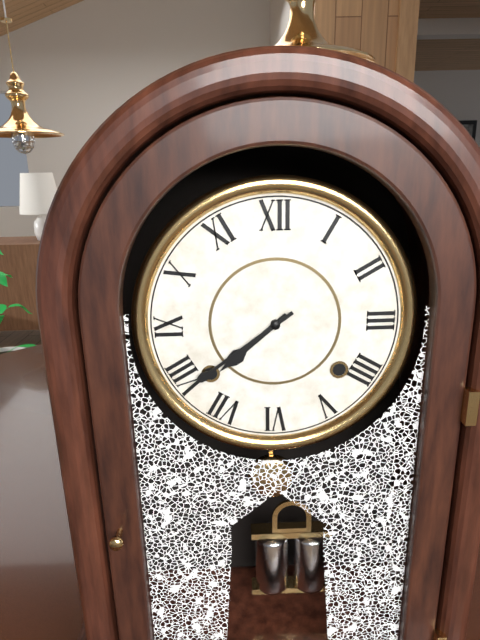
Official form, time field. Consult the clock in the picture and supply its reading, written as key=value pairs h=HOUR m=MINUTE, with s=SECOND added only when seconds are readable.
h=7 m=39
